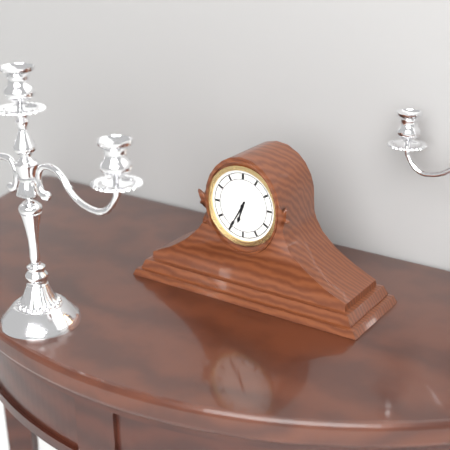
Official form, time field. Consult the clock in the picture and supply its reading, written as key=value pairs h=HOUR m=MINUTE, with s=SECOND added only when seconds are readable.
h=6 m=35
